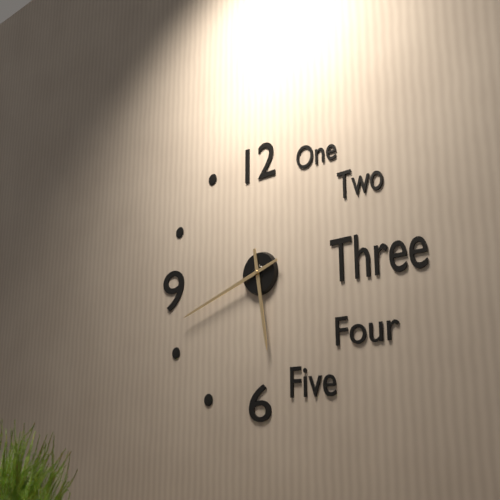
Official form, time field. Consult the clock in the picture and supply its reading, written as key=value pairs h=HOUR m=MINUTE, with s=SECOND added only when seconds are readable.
h=5 m=42
